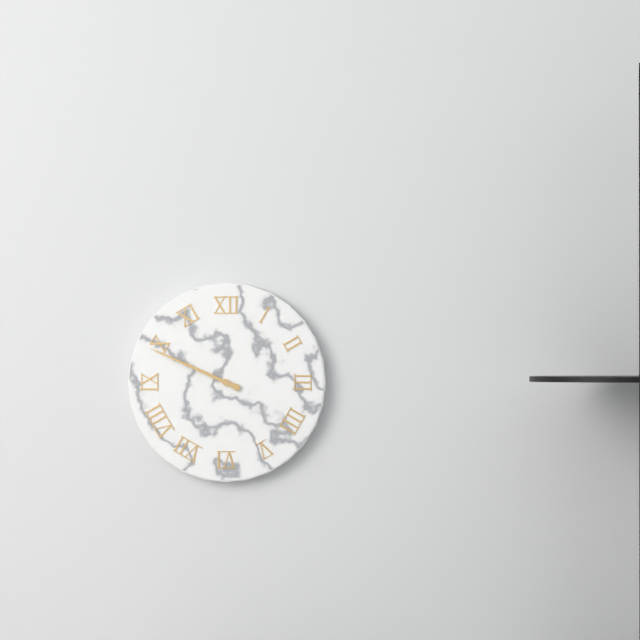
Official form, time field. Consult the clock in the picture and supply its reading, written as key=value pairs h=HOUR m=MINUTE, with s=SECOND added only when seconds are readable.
h=9 m=49
